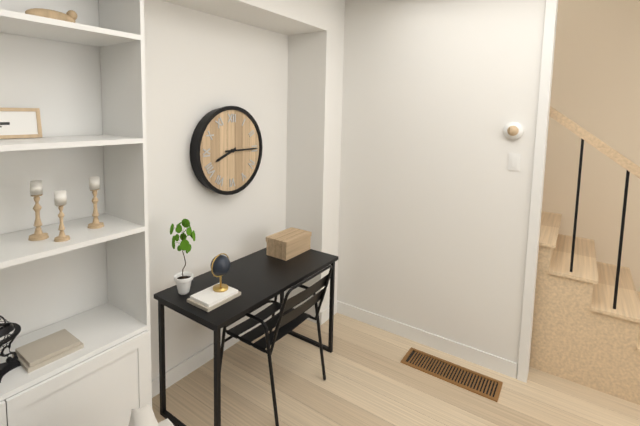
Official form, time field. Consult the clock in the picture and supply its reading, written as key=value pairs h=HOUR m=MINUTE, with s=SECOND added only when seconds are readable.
h=8 m=15
